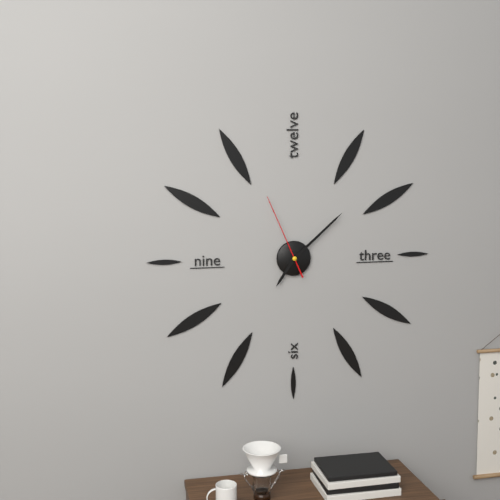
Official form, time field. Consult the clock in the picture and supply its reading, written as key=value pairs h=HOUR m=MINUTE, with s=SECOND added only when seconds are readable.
h=7 m=8 s=56
